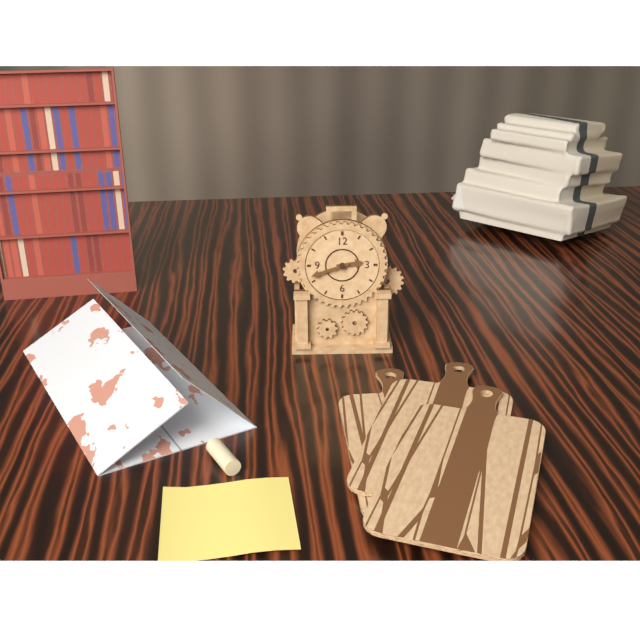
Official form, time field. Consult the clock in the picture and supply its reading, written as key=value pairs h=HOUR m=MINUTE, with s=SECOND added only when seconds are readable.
h=2 m=42
